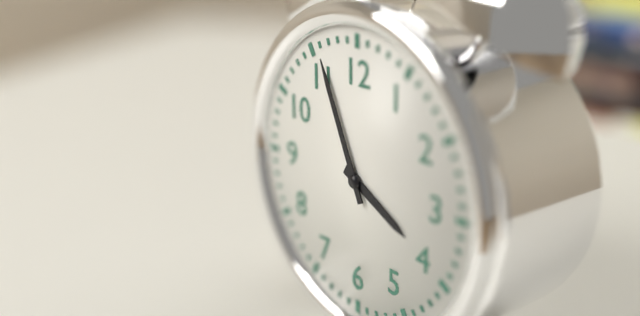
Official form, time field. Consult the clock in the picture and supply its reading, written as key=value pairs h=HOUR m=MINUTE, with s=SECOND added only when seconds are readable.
h=3 m=56
